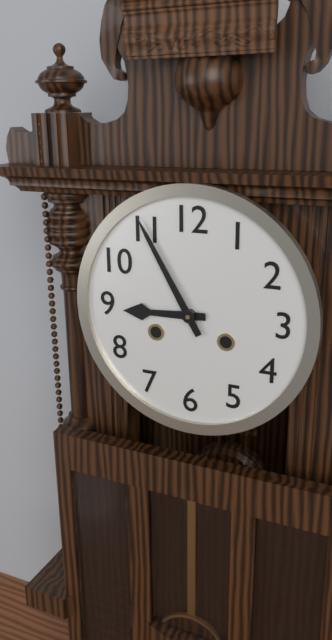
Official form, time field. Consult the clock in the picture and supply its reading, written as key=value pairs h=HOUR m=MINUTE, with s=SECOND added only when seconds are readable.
h=8 m=55
